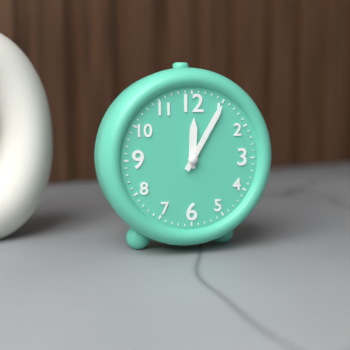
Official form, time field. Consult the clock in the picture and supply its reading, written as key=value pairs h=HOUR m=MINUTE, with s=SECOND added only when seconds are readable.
h=12 m=5
